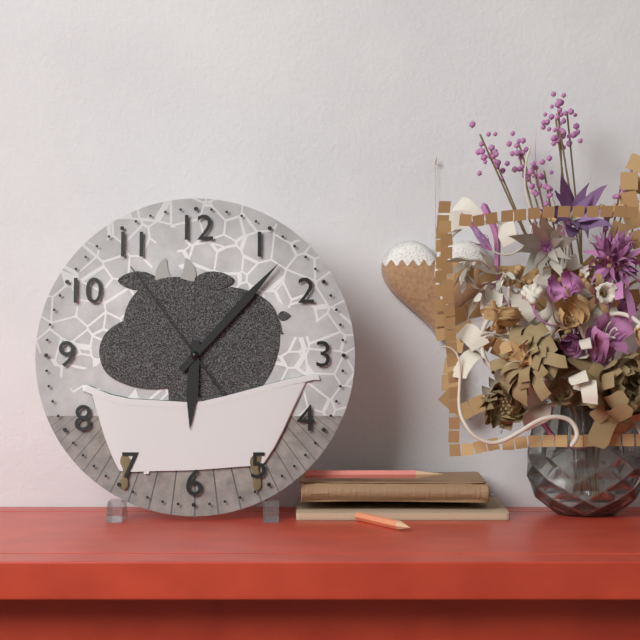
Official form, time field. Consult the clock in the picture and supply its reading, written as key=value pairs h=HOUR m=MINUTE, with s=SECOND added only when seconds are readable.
h=6 m=7 s=54
